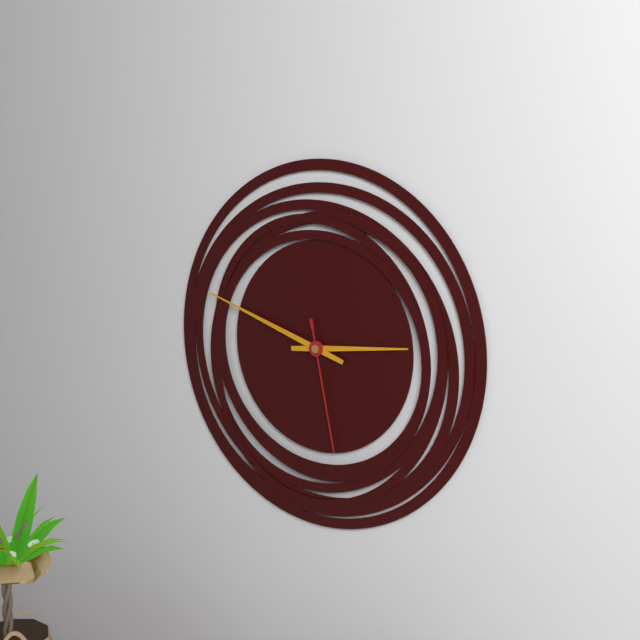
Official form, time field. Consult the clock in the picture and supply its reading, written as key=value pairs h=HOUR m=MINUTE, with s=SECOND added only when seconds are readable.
h=2 m=48 s=28
